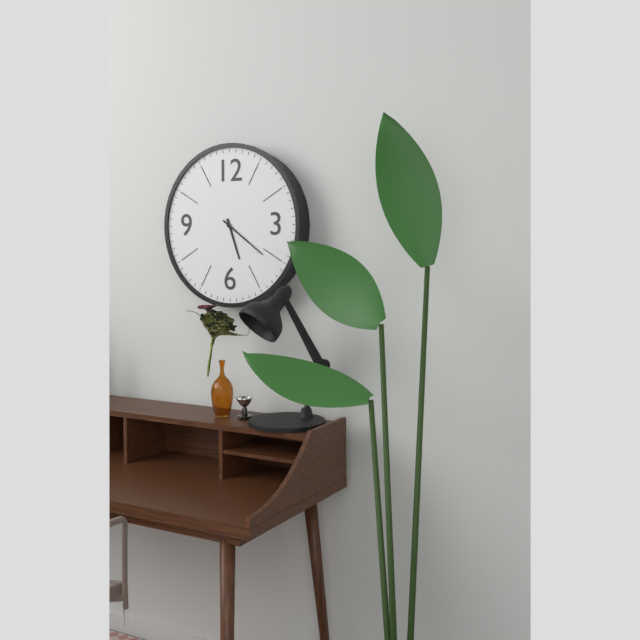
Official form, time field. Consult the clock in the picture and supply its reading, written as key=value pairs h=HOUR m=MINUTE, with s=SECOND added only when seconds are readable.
h=5 m=21
